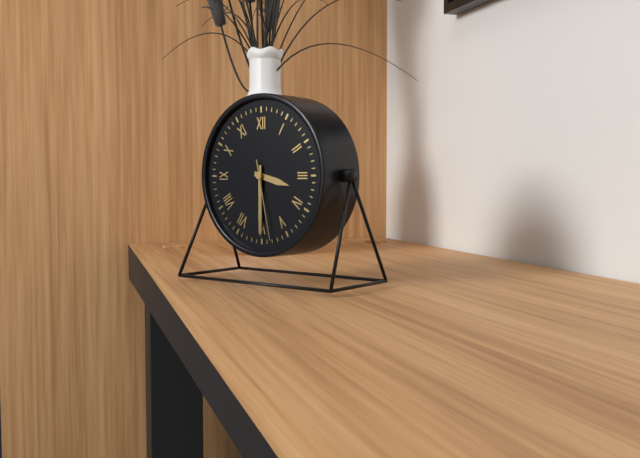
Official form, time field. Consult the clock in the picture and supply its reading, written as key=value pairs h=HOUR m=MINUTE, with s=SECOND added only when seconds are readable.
h=3 m=30 s=28
